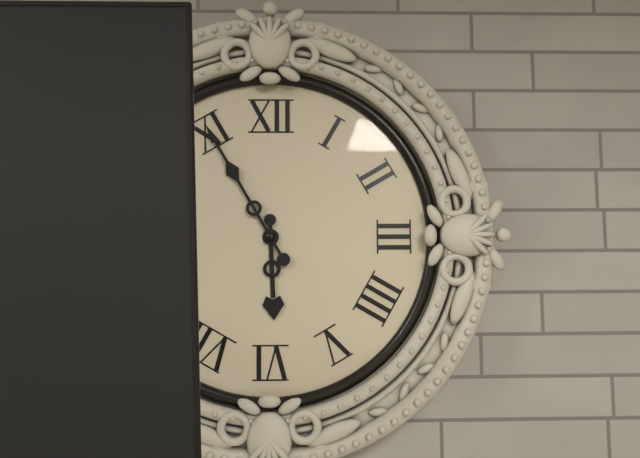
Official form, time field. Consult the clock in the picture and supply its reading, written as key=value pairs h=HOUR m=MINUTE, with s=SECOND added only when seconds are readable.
h=5 m=55
